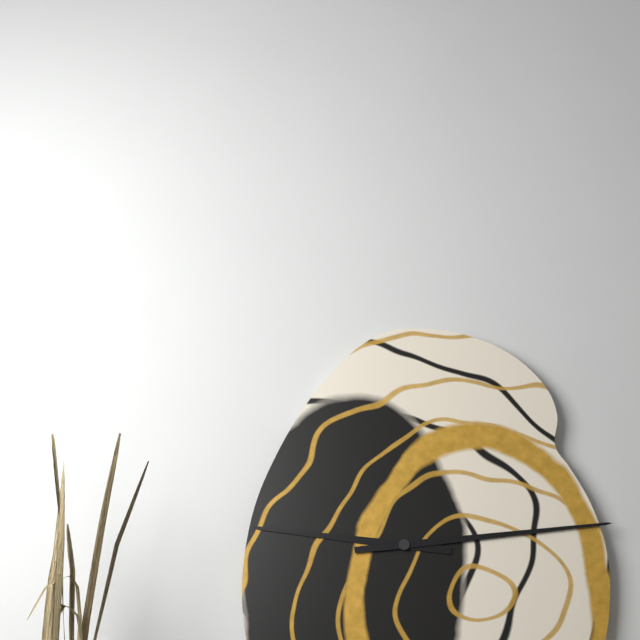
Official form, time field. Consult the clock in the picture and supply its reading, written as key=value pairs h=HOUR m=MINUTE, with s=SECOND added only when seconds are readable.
h=9 m=14
